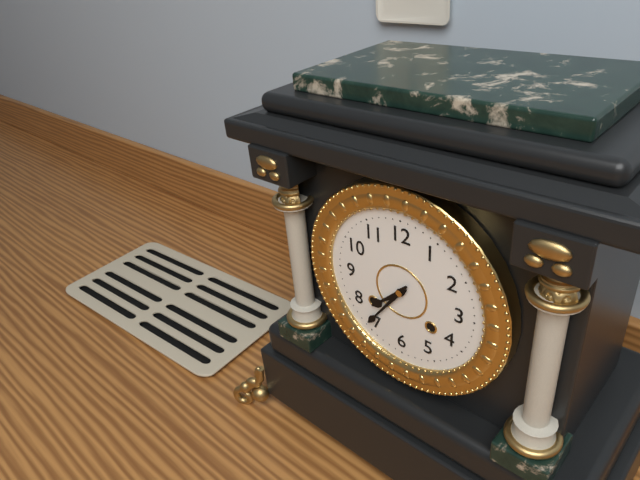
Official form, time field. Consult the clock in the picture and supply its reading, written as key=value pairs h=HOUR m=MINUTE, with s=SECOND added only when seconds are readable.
h=7 m=36
